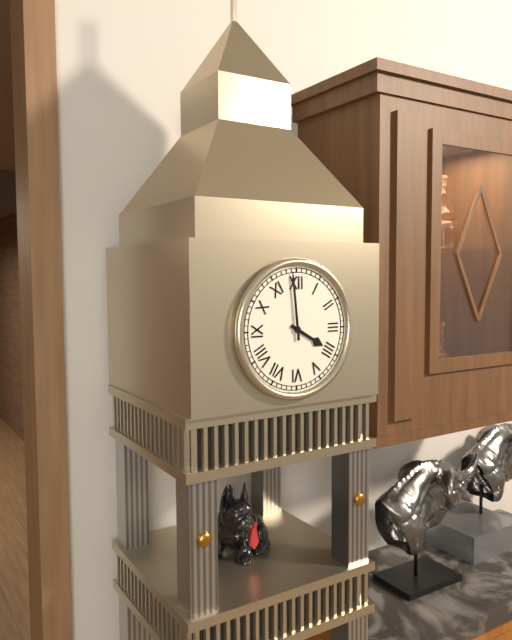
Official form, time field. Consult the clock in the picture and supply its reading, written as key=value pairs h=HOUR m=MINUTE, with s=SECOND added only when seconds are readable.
h=3 m=59
